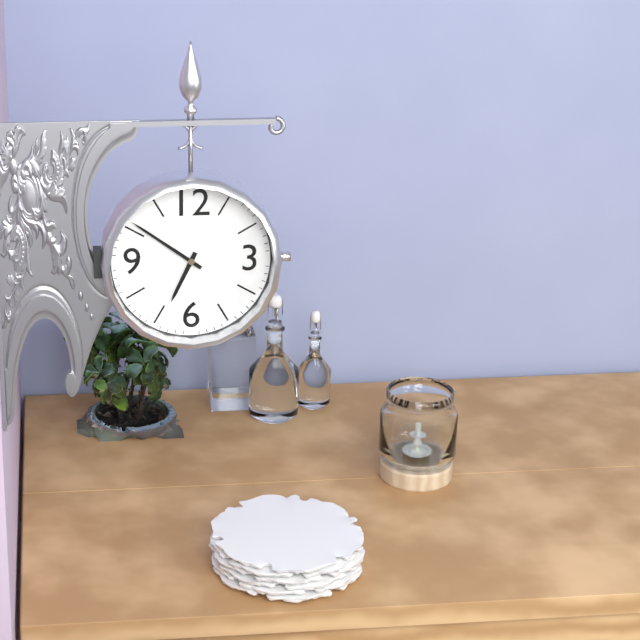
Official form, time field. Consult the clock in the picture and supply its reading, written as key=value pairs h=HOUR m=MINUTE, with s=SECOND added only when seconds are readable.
h=6 m=51
